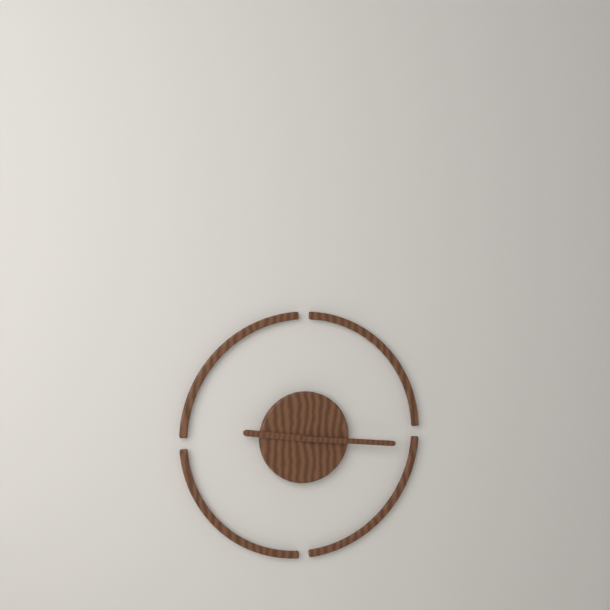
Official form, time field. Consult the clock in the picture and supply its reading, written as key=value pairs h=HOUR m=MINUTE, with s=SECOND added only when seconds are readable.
h=9 m=16
